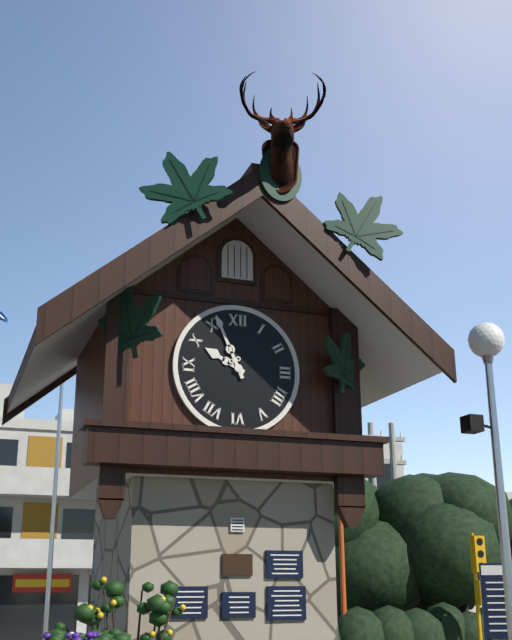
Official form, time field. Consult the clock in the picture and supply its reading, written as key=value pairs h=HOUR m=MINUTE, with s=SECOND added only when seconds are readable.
h=9 m=56
